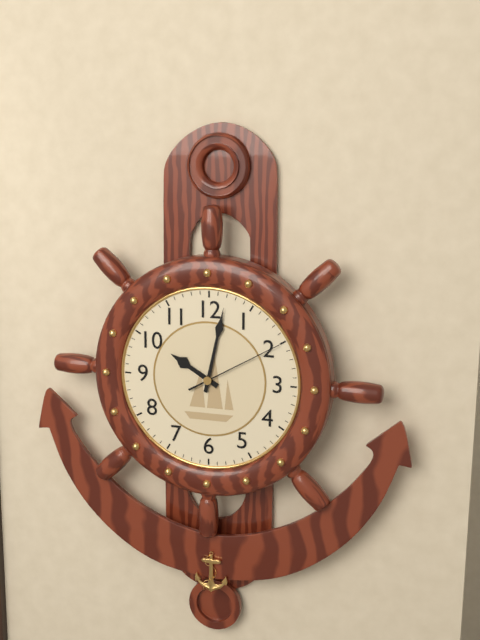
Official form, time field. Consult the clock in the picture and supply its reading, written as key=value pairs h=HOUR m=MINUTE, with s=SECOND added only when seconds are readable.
h=10 m=2 s=10
